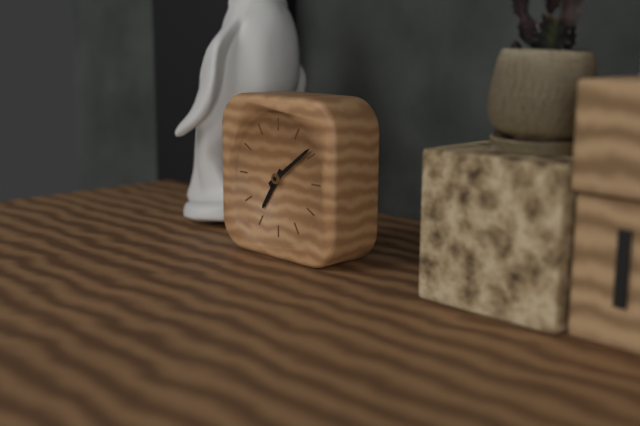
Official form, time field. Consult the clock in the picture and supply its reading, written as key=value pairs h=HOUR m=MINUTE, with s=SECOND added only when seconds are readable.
h=7 m=9
